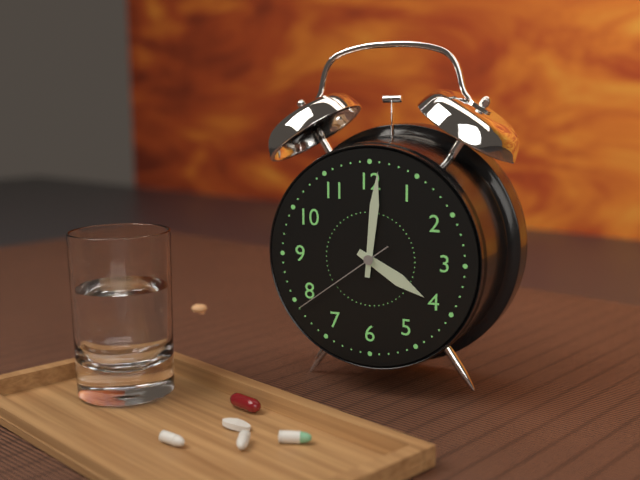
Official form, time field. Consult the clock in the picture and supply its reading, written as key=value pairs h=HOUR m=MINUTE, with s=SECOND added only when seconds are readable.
h=4 m=1 s=39
